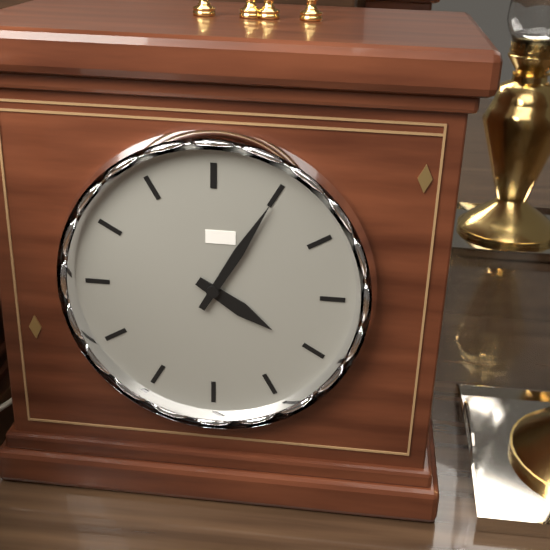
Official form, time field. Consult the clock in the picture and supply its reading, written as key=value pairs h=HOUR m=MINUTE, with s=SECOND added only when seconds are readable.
h=4 m=5
